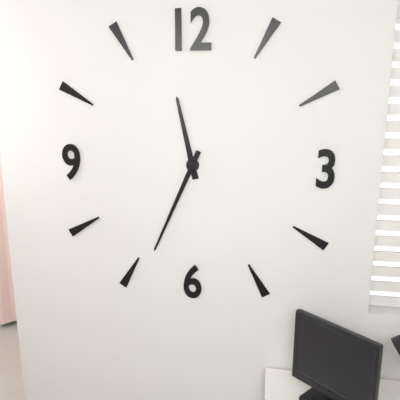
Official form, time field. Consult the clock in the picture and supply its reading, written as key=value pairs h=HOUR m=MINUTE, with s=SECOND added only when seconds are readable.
h=11 m=34
